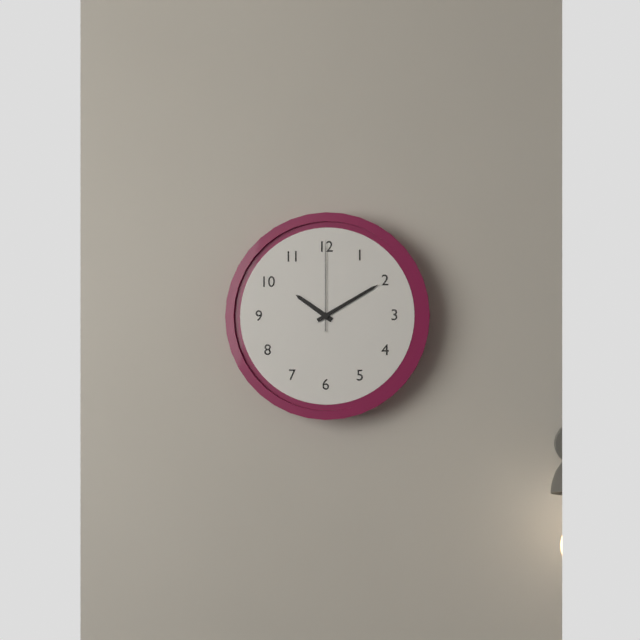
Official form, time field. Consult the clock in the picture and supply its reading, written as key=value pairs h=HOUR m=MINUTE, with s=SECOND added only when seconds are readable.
h=10 m=10 s=0
